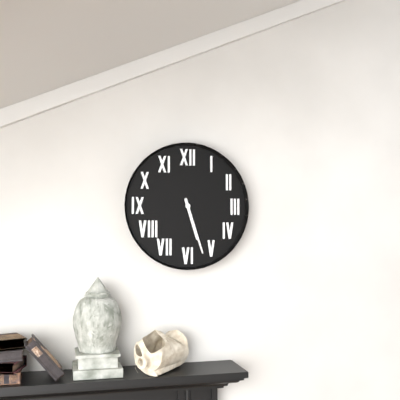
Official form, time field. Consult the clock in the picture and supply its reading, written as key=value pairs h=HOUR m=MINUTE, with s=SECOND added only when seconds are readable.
h=5 m=27
